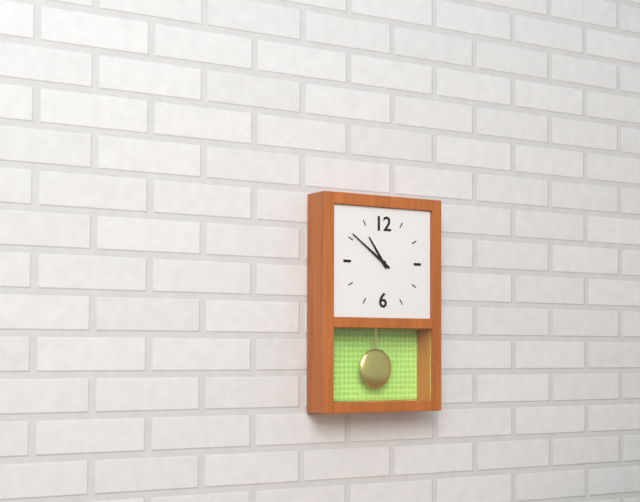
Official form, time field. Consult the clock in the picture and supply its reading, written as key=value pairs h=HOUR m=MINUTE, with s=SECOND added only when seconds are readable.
h=10 m=51
